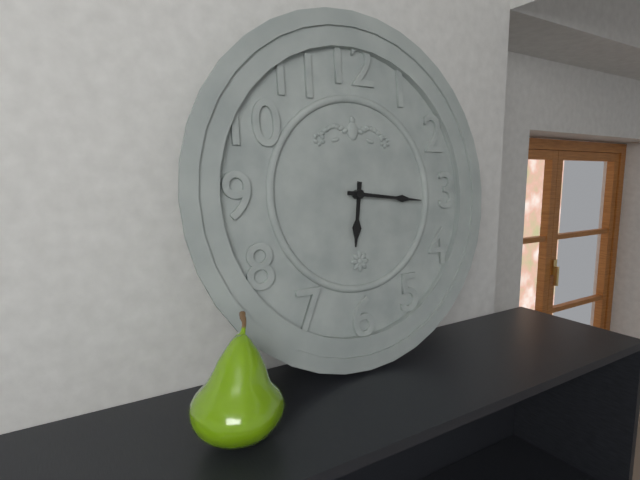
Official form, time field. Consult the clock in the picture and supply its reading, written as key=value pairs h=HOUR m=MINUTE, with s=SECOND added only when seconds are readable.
h=6 m=16
